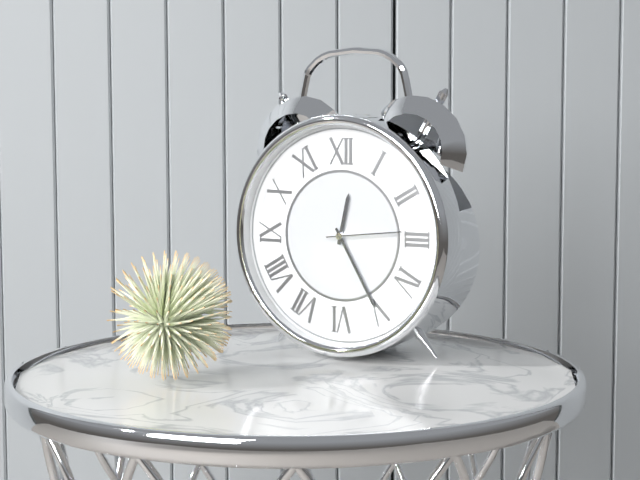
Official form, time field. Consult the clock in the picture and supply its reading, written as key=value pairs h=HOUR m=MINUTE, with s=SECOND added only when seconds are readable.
h=12 m=25 s=14
